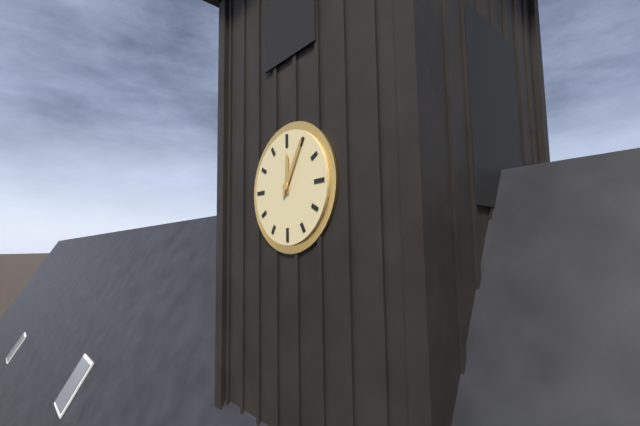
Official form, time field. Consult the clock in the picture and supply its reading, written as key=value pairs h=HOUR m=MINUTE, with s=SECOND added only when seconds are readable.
h=12 m=5
